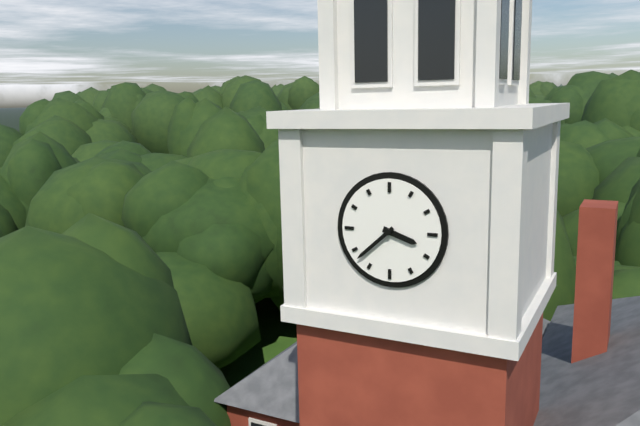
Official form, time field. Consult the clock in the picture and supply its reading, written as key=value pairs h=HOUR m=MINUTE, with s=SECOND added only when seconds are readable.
h=3 m=38
